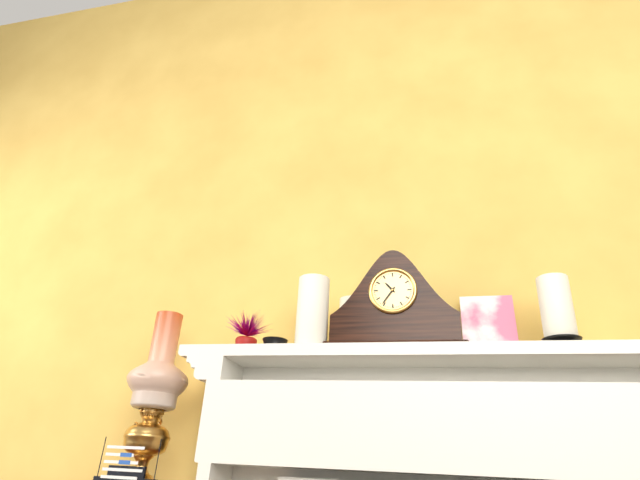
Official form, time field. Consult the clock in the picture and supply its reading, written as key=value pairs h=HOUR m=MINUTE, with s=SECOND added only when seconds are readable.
h=10 m=36
